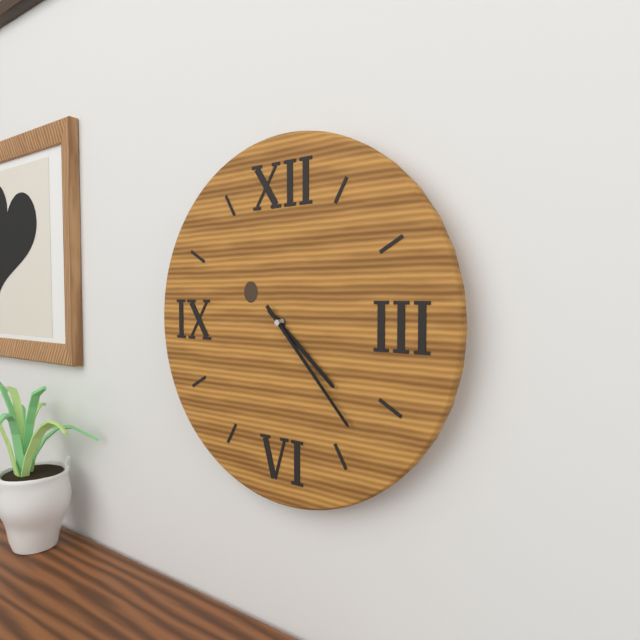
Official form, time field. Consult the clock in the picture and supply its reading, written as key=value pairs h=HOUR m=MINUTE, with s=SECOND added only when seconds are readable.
h=4 m=23
